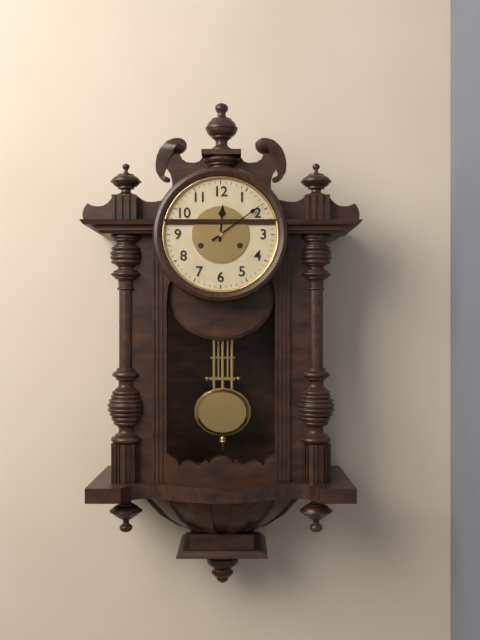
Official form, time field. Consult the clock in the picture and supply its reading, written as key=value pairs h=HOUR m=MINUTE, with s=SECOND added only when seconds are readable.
h=12 m=9
